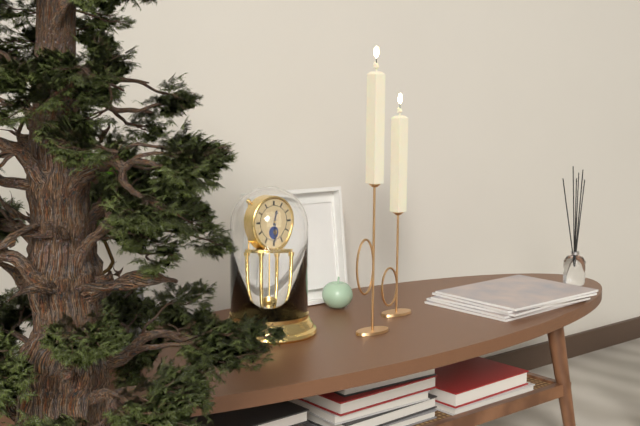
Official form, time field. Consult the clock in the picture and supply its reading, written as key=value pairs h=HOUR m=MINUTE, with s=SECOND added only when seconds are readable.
h=12 m=30
